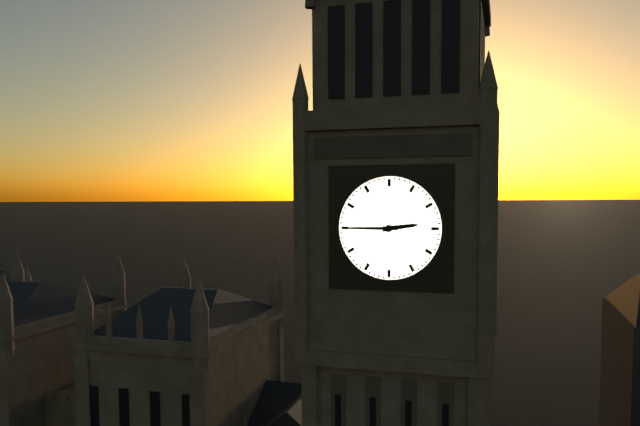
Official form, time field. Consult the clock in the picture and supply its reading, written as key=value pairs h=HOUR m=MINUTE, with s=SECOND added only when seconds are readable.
h=2 m=45
